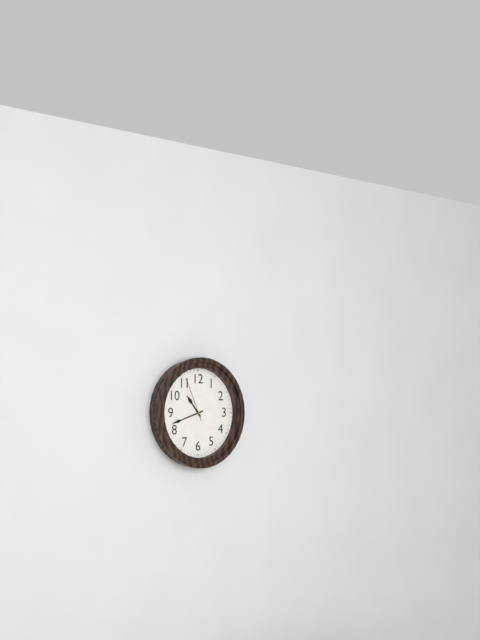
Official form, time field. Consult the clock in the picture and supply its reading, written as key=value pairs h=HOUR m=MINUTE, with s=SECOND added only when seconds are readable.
h=10 m=42
